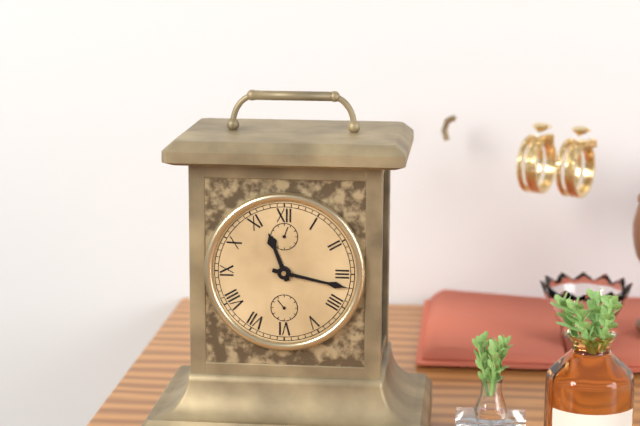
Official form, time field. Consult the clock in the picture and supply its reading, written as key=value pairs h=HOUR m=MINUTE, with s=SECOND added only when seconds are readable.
h=11 m=17
